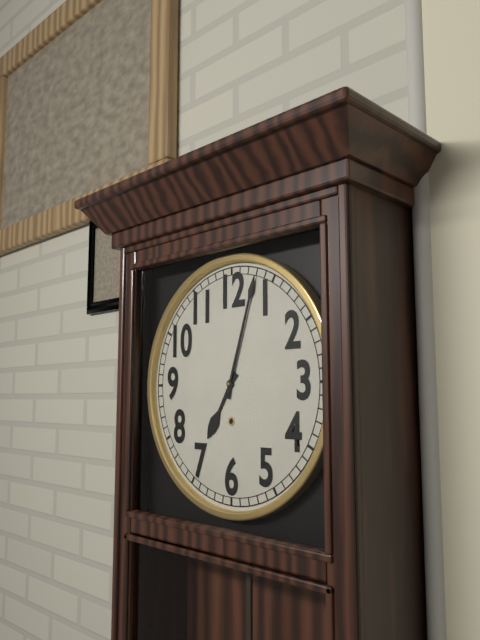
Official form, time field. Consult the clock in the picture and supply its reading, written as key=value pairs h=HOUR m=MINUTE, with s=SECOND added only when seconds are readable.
h=7 m=3
